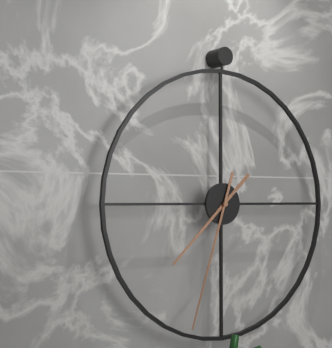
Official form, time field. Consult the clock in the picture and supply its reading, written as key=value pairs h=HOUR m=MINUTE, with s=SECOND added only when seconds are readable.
h=7 m=33
